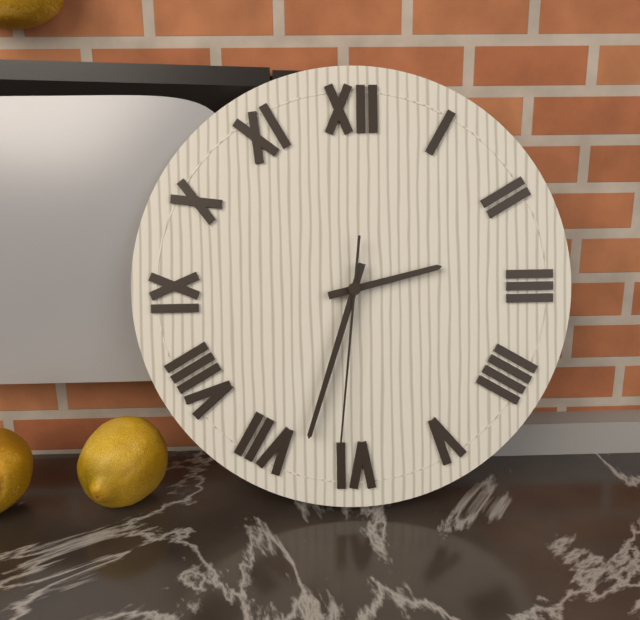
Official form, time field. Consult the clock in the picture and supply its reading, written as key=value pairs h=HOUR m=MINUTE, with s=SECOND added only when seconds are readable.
h=2 m=33 s=31
